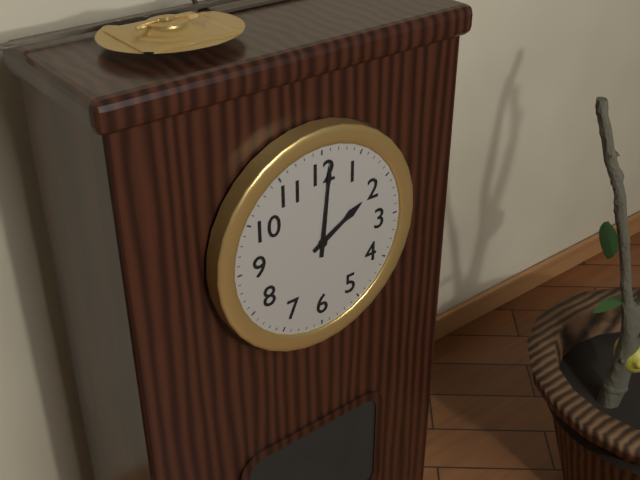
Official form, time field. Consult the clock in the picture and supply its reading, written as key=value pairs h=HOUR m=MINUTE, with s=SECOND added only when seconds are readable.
h=2 m=1
